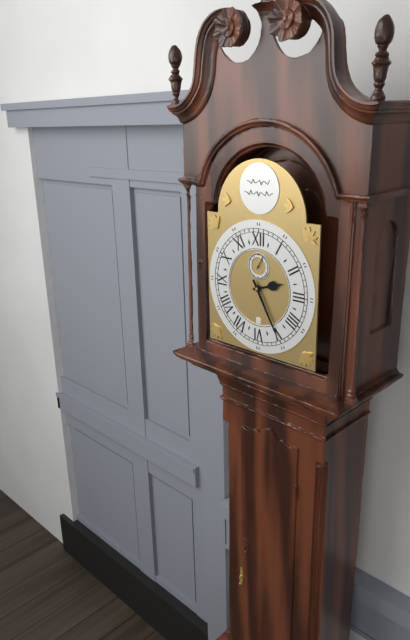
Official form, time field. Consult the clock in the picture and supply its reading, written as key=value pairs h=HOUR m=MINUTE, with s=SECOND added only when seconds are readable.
h=2 m=25
